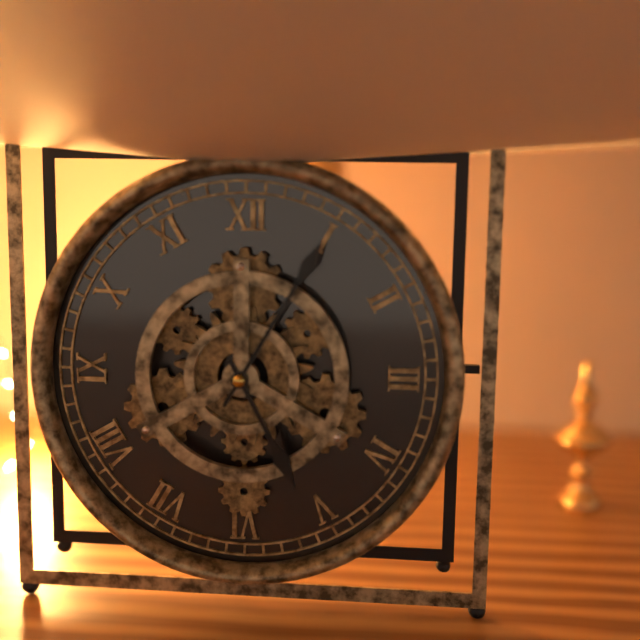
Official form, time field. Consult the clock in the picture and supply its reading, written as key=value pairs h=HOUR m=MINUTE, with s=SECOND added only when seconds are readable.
h=5 m=5
